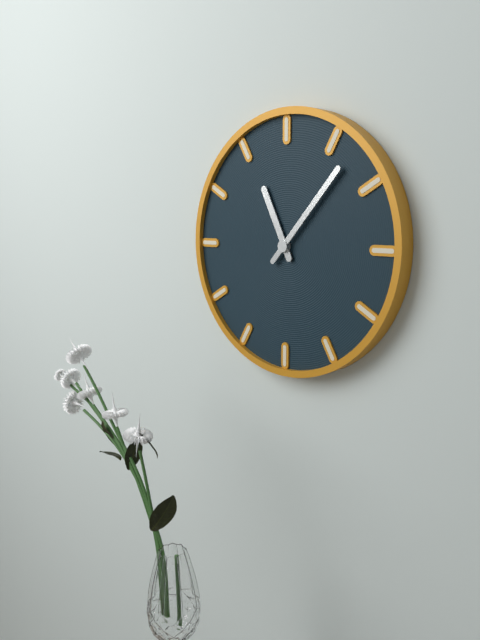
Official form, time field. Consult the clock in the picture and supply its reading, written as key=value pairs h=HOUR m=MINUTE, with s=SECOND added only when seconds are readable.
h=11 m=7
